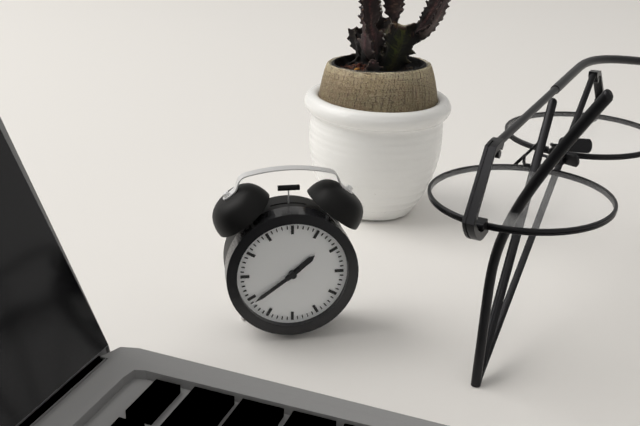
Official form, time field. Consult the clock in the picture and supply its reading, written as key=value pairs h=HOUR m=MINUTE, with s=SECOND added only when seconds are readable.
h=1 m=39
